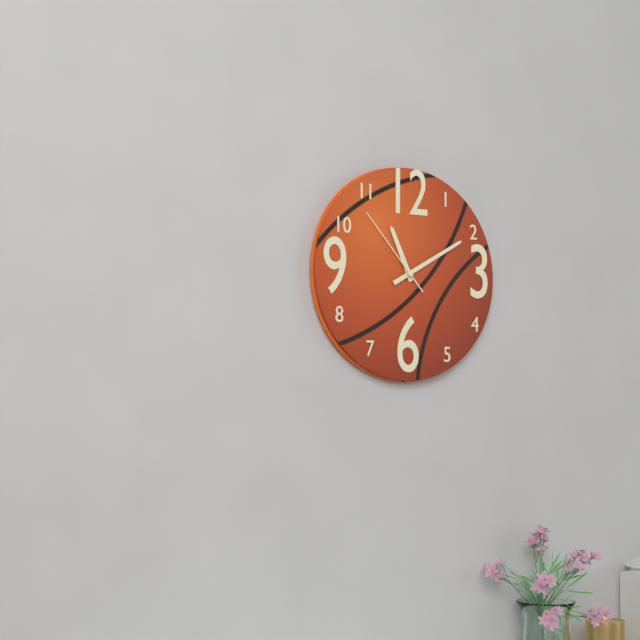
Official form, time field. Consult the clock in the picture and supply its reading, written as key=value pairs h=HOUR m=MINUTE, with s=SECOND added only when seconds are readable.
h=11 m=10 s=53
